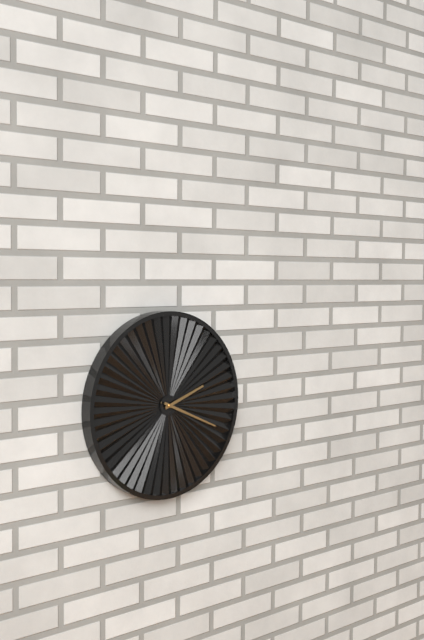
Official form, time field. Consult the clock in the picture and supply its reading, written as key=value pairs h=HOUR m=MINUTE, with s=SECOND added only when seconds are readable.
h=2 m=19
